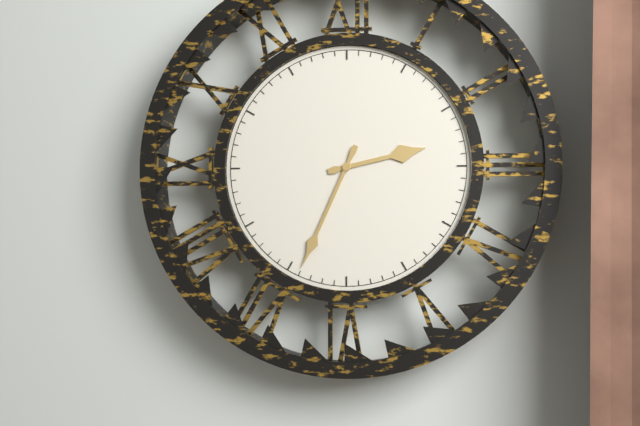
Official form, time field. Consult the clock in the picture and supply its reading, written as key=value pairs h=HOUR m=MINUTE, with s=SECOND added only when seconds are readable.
h=2 m=34
